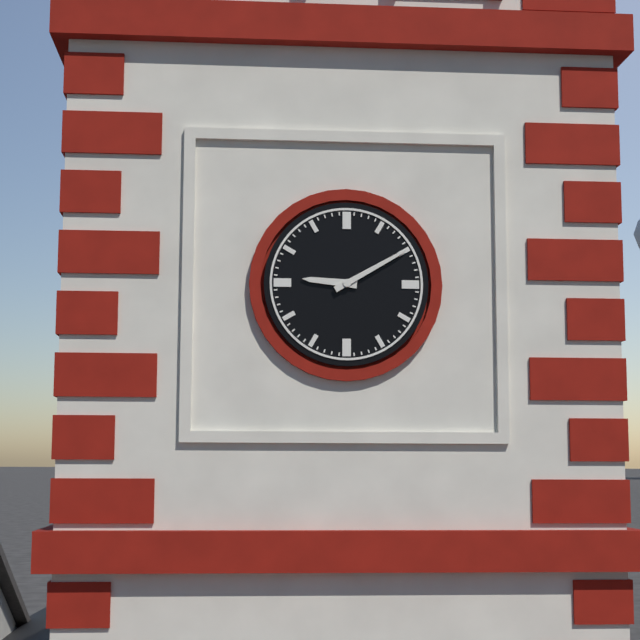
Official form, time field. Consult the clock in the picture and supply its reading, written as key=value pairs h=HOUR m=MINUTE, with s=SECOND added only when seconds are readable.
h=9 m=10
